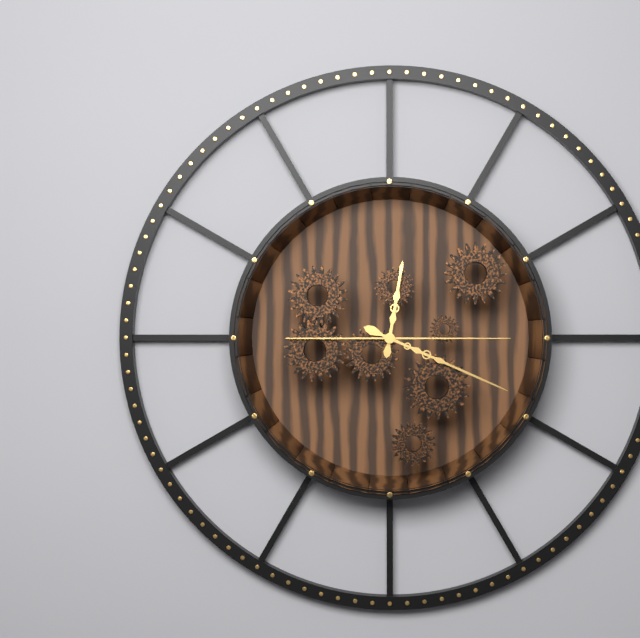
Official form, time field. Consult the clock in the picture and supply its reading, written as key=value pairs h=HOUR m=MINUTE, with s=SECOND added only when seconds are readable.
h=12 m=19 s=15
